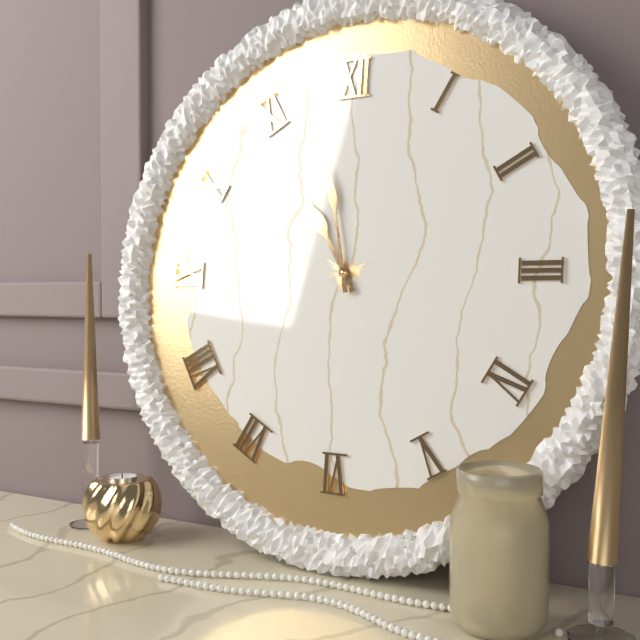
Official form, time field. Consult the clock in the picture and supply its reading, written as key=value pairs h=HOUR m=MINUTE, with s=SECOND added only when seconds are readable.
h=10 m=58
